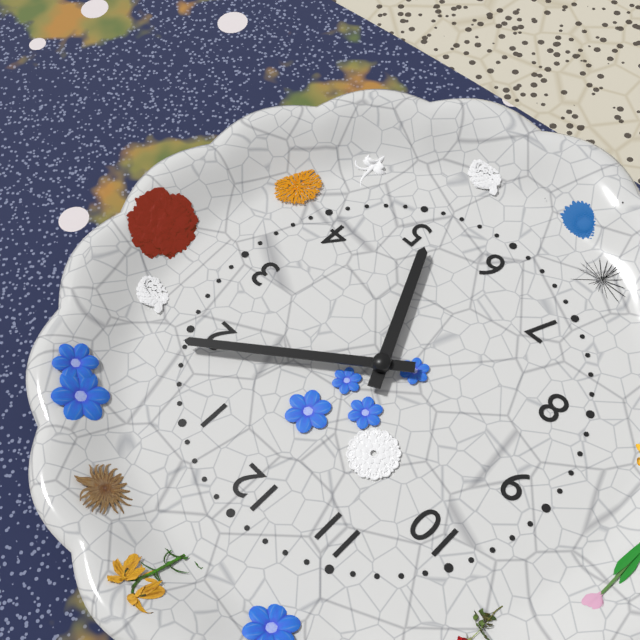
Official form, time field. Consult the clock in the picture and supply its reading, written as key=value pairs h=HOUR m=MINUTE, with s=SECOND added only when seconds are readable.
h=5 m=9
